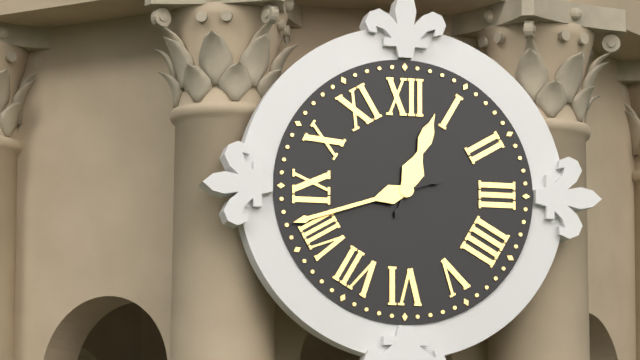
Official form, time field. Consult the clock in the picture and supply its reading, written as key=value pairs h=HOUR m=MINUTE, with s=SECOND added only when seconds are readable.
h=12 m=42
